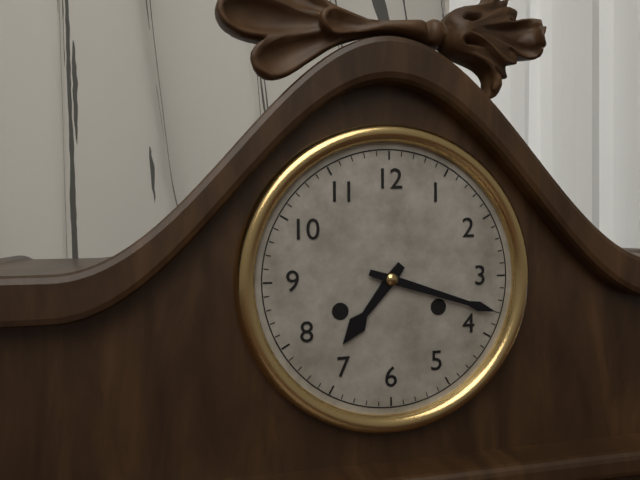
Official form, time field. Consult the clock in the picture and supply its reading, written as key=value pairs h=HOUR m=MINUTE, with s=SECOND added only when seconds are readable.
h=7 m=18
